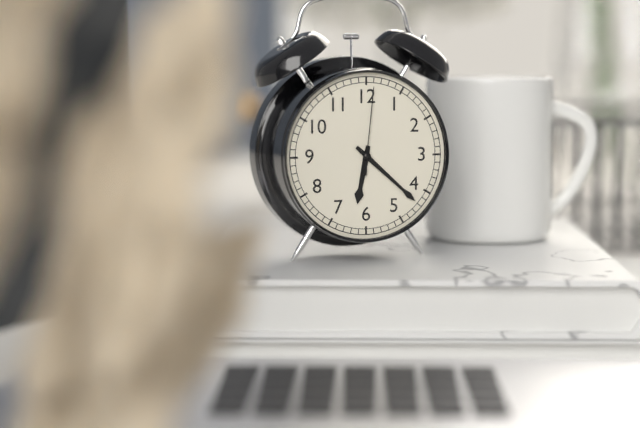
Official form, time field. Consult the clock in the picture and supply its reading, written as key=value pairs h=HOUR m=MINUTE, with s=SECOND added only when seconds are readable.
h=6 m=22 s=1
